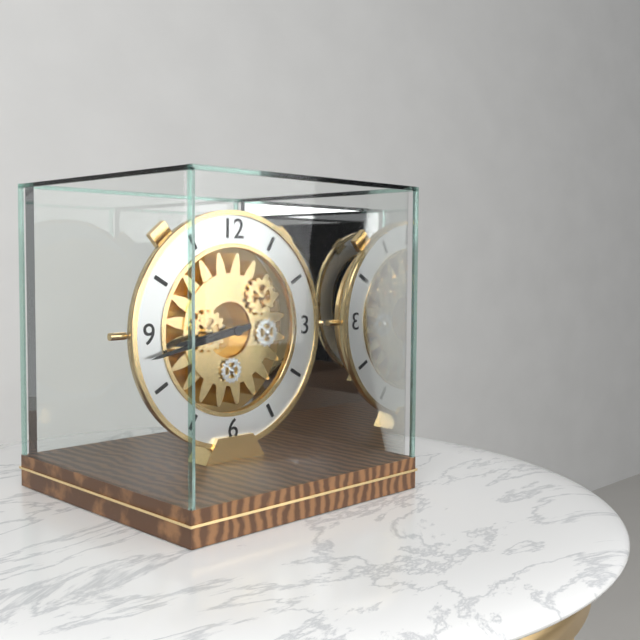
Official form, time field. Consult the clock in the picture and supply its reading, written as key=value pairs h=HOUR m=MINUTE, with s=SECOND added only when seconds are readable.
h=8 m=43
